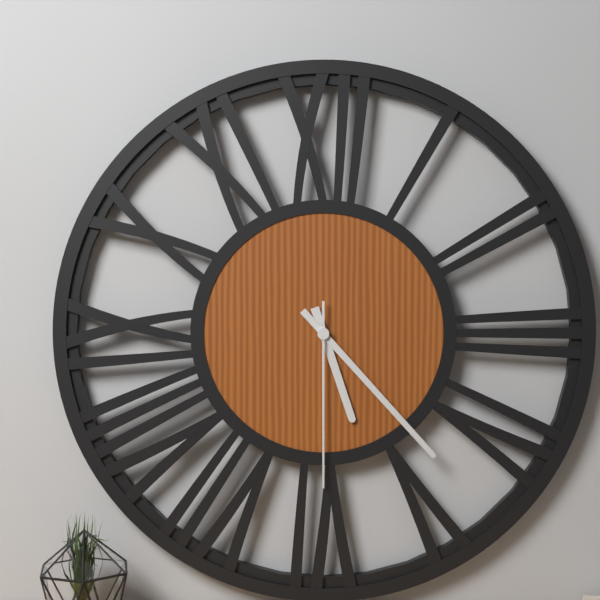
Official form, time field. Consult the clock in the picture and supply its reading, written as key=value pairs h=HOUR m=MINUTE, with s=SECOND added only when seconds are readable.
h=5 m=23 s=30
